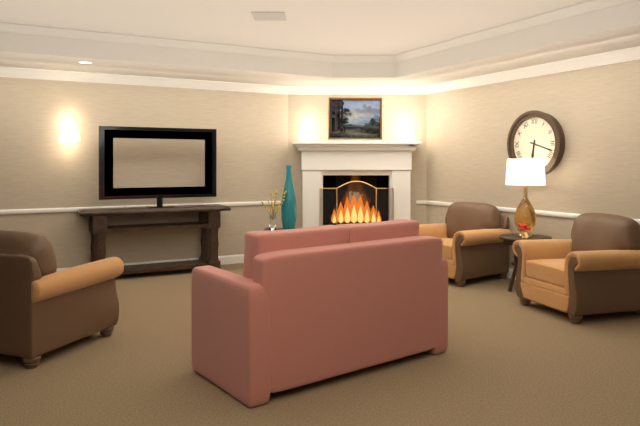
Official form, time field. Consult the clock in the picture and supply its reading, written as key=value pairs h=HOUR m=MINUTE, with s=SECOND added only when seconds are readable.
h=6 m=18
